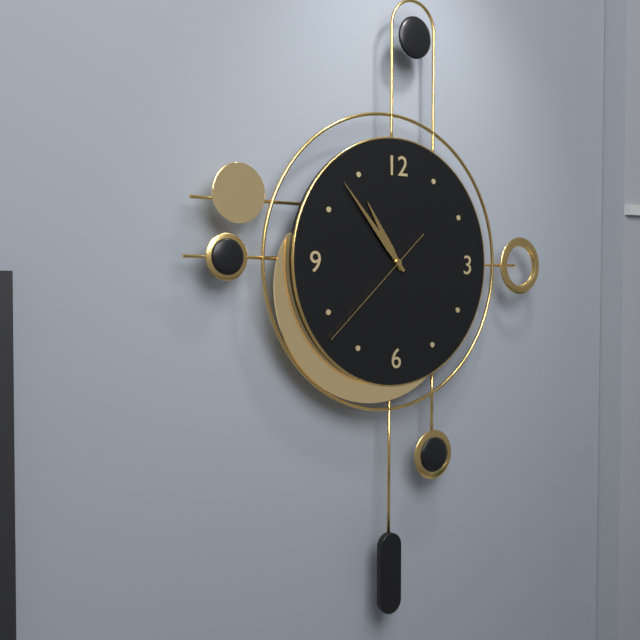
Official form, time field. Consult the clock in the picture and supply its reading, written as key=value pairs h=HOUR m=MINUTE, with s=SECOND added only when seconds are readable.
h=10 m=53 s=38
